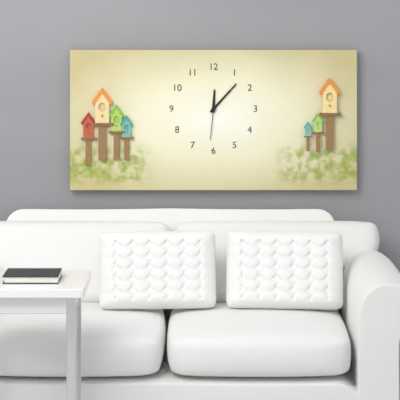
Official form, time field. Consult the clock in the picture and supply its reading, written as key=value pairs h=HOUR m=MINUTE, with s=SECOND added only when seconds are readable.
h=12 m=7
